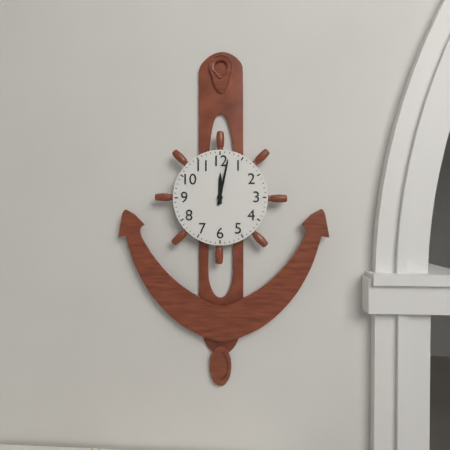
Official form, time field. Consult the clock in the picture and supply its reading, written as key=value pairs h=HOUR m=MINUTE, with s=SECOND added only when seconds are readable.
h=12 m=2
